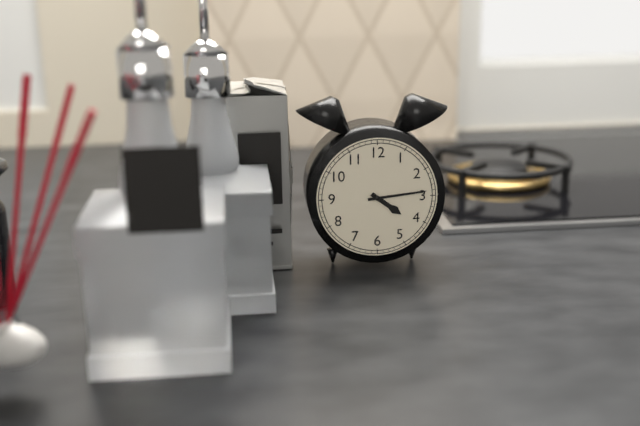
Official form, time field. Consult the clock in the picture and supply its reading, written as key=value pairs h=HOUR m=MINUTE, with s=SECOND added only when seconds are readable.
h=4 m=14
